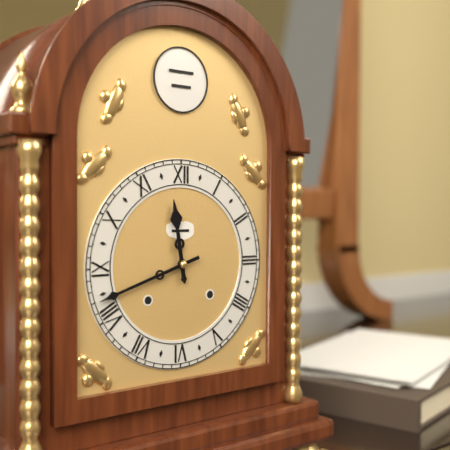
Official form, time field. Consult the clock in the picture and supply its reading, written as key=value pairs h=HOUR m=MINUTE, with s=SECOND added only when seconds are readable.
h=11 m=42
